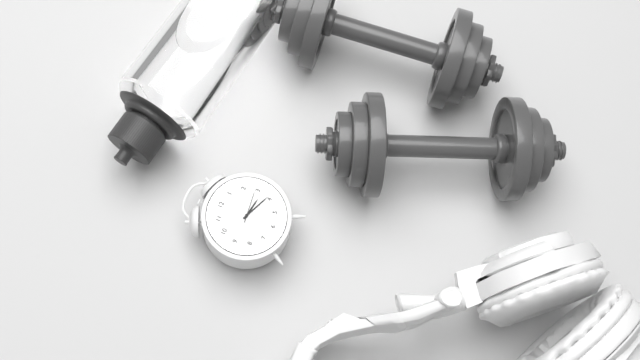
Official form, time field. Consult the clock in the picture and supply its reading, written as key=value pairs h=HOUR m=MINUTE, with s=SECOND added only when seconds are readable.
h=3 m=19
